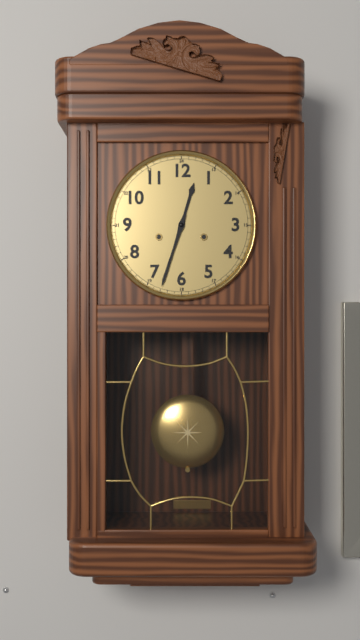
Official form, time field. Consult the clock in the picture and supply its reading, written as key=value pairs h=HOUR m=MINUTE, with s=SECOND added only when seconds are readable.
h=12 m=33
